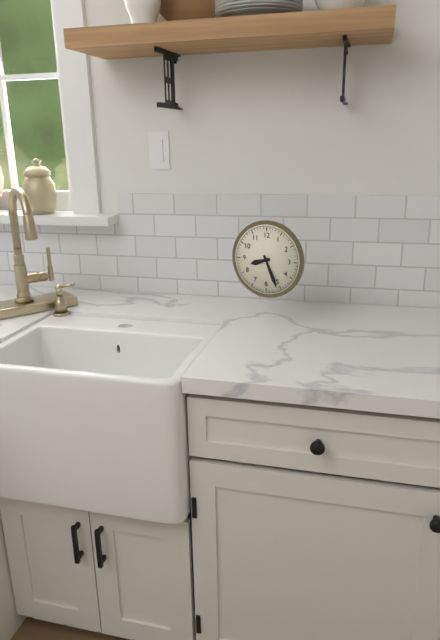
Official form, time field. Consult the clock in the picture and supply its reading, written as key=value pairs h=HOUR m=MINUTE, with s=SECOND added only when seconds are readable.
h=8 m=26
